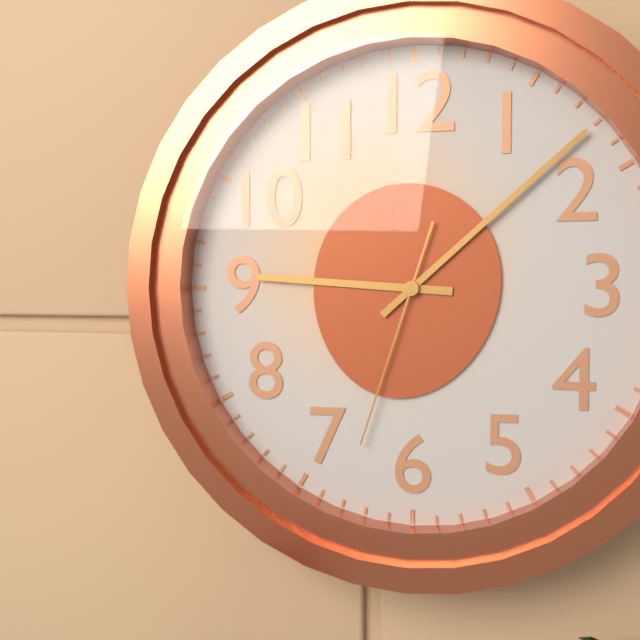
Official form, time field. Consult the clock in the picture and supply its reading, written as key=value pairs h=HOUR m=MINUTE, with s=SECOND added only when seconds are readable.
h=9 m=8 s=33
